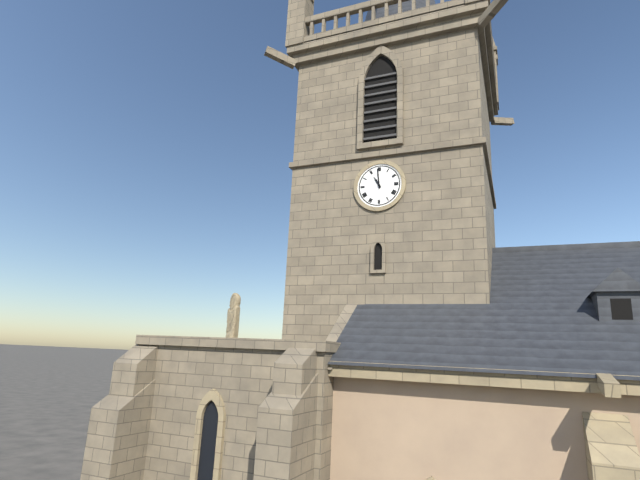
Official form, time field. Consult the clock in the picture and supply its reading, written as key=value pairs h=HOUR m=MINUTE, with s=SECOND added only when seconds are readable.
h=10 m=59
